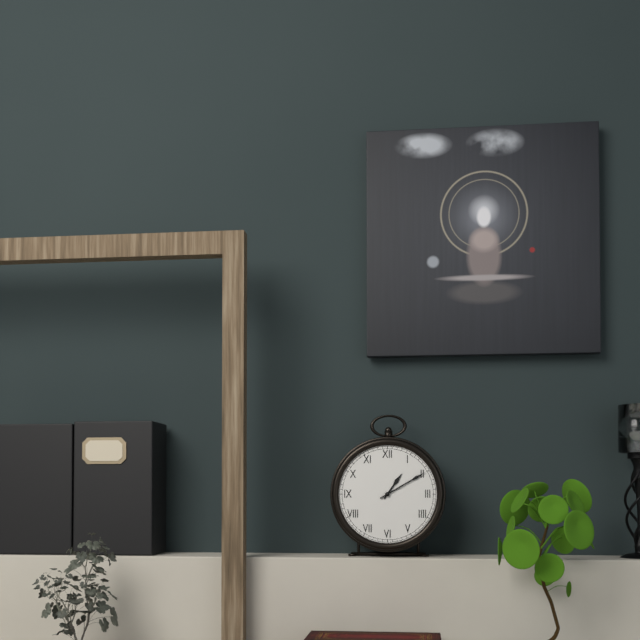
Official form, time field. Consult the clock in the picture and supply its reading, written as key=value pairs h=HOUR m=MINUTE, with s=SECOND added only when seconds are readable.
h=1 m=10
